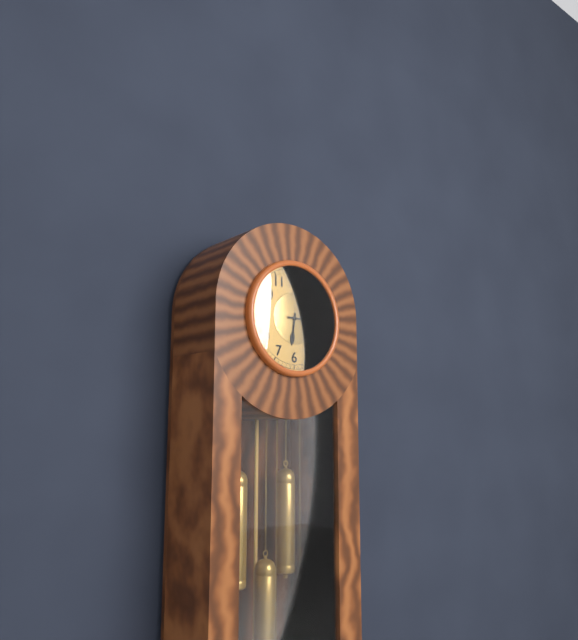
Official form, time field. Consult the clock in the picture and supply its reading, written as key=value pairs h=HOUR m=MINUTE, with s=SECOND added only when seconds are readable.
h=6 m=15
